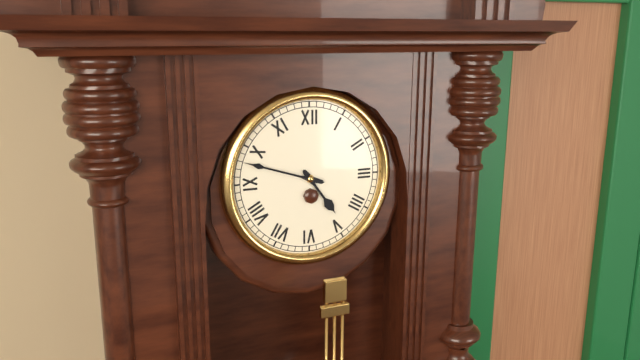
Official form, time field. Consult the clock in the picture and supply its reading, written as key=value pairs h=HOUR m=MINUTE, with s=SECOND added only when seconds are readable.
h=4 m=48
